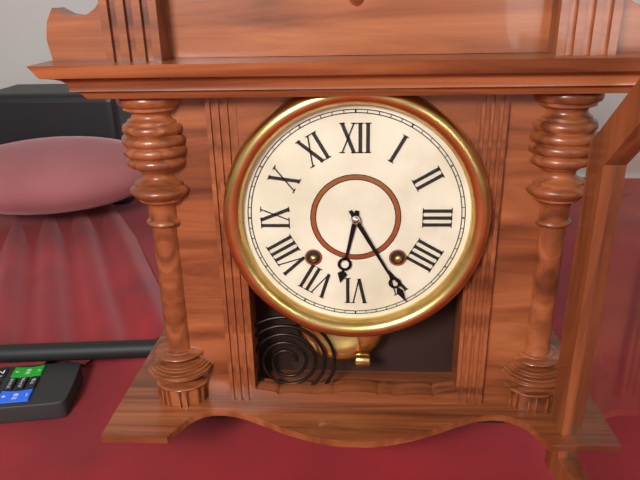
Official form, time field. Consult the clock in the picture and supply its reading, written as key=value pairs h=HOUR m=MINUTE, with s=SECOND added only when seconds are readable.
h=6 m=25
